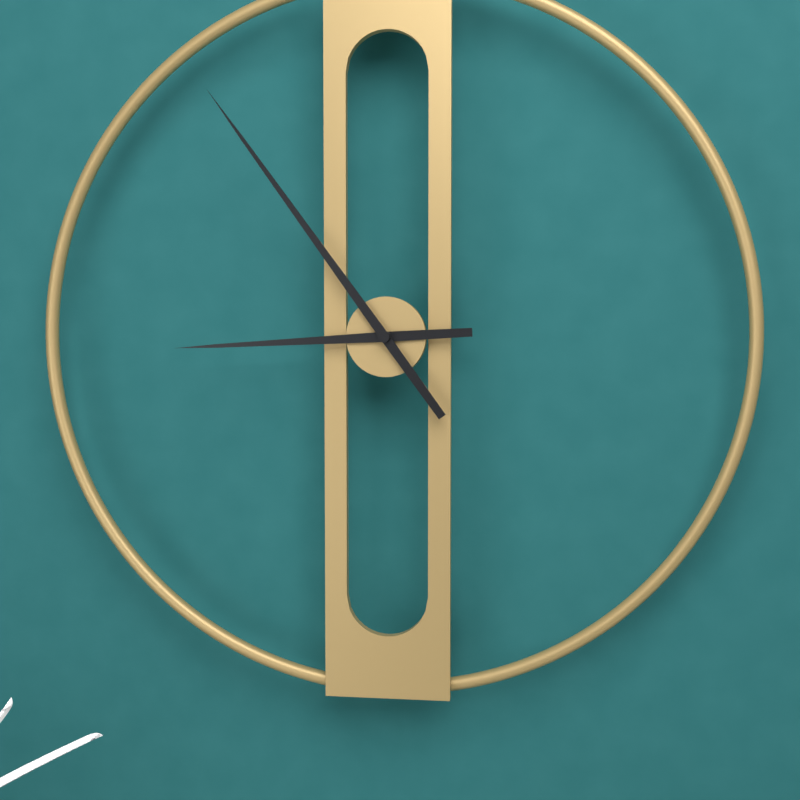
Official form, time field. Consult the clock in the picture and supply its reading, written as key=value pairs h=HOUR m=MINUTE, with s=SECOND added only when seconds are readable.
h=8 m=54
